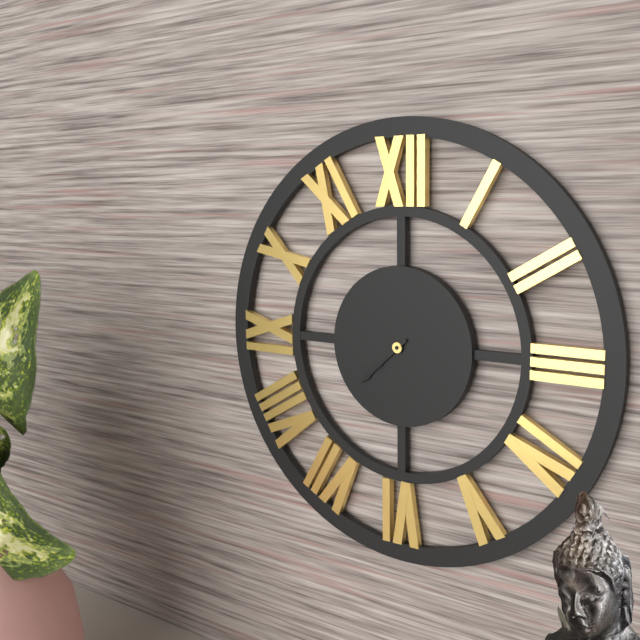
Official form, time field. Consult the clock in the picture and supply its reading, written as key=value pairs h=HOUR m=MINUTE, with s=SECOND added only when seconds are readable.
h=7 m=38
